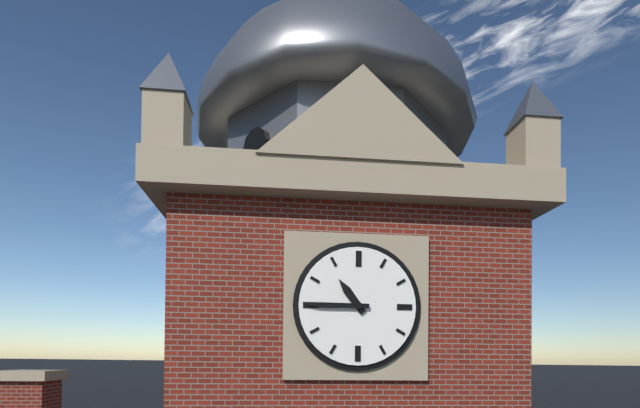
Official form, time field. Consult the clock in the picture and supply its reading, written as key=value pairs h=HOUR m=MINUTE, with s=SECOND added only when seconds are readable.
h=10 m=45
